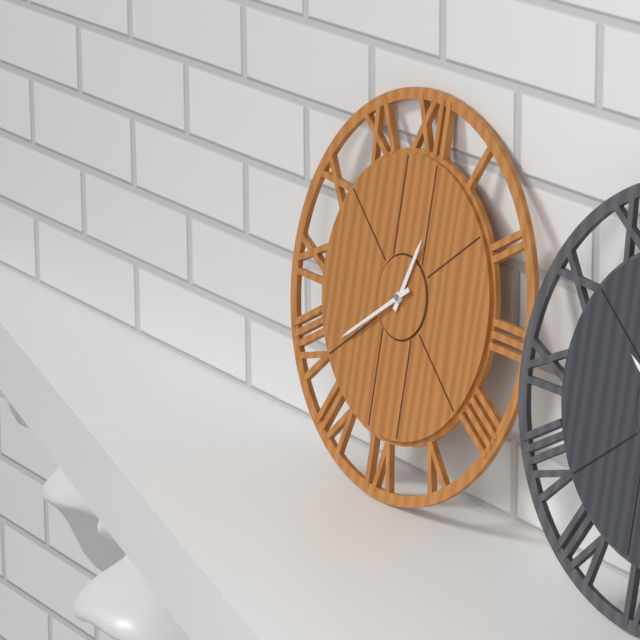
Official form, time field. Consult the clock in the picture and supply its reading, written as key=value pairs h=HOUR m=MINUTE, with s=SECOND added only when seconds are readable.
h=12 m=39
